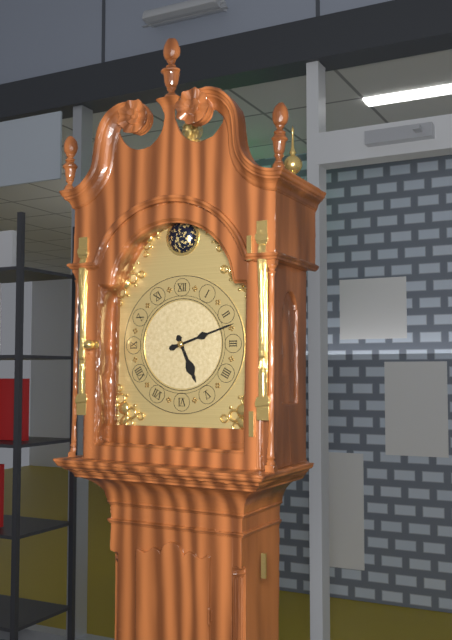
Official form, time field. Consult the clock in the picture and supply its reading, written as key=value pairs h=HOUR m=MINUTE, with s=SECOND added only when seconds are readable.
h=5 m=12
